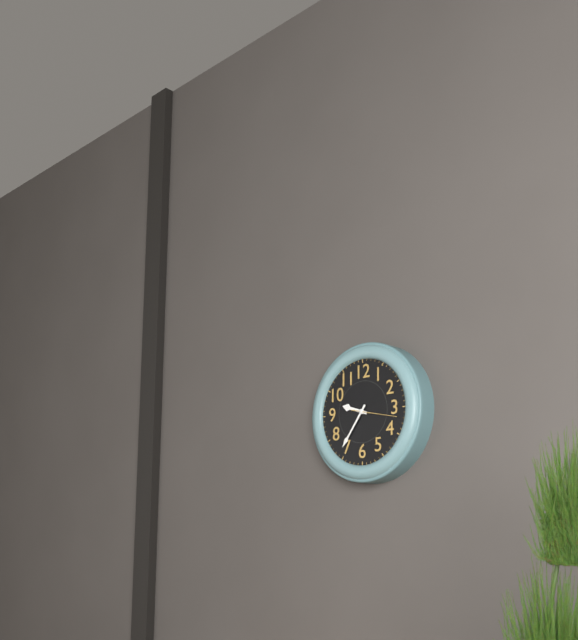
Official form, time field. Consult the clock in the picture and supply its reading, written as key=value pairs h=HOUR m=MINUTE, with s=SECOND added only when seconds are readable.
h=9 m=36
